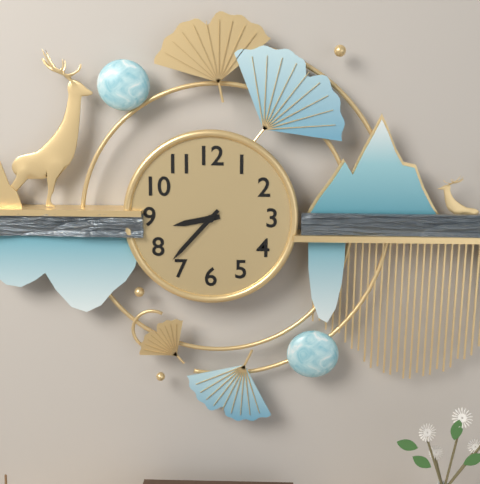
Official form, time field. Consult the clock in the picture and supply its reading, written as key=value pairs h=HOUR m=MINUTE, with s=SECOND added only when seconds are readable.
h=8 m=37
